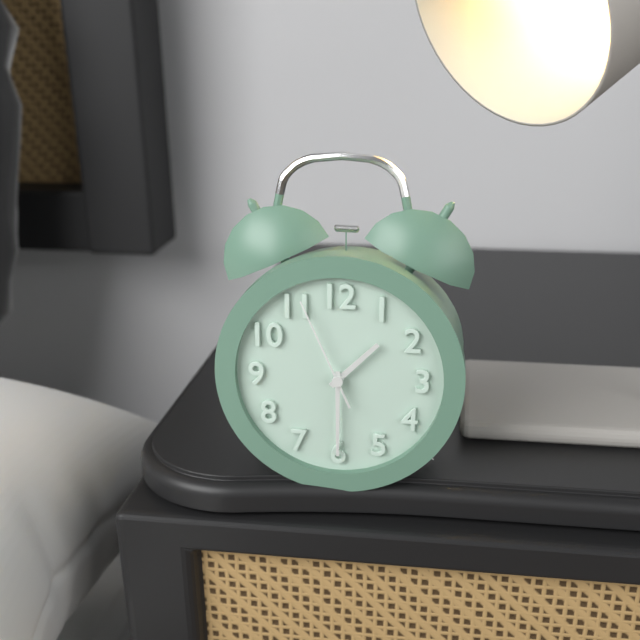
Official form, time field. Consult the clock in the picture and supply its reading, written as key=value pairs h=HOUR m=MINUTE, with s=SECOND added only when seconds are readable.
h=1 m=30 s=56
